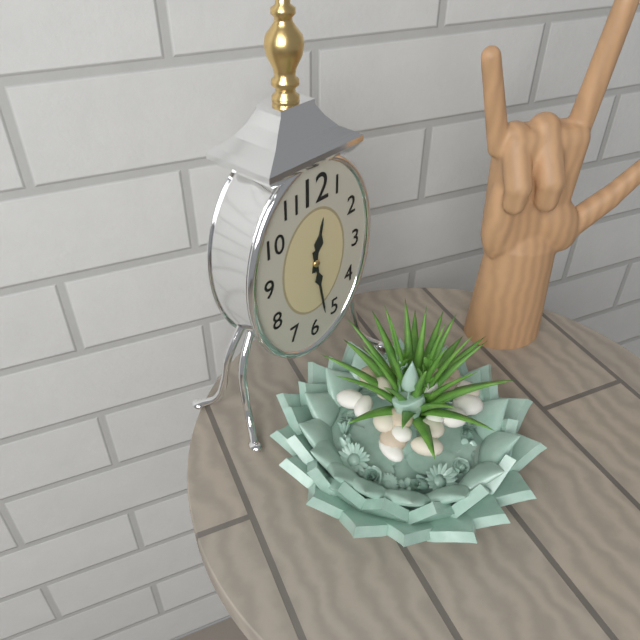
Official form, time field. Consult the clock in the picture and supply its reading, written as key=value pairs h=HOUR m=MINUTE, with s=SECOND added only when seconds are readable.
h=12 m=28
